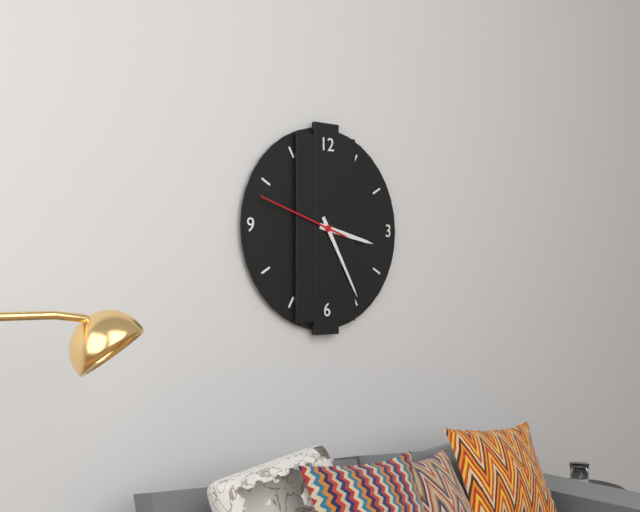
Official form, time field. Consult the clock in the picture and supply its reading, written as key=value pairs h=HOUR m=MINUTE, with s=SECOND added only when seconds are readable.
h=3 m=25 s=48
